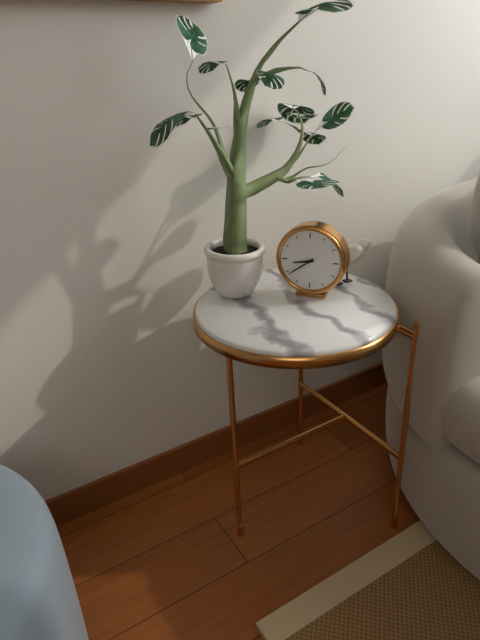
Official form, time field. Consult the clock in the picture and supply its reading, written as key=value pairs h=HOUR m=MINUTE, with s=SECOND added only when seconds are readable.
h=8 m=39
